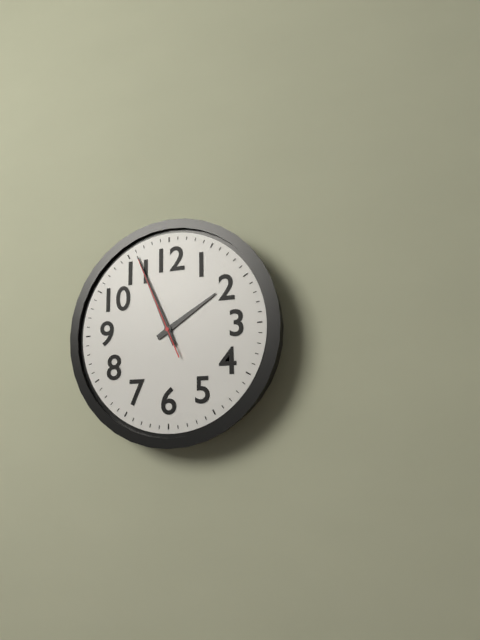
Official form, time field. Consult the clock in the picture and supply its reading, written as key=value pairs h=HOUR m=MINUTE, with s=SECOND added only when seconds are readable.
h=1 m=56 s=56
